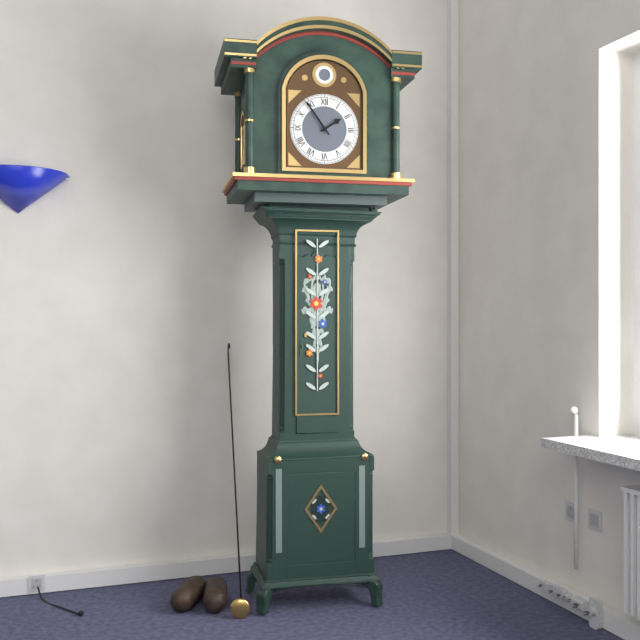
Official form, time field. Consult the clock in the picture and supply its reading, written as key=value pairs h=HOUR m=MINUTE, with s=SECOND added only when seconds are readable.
h=1 m=54
